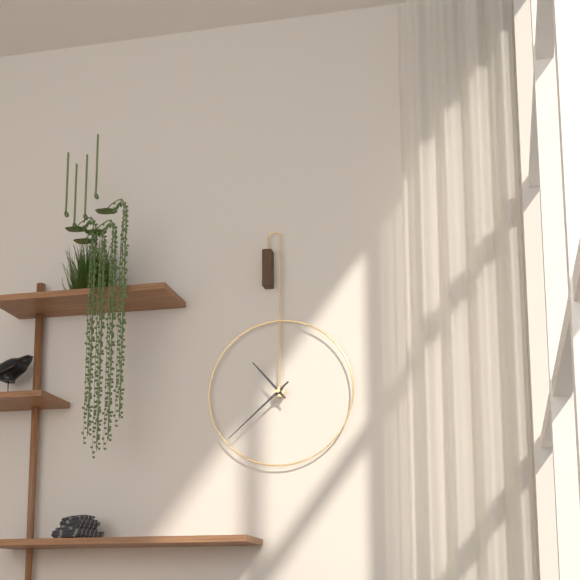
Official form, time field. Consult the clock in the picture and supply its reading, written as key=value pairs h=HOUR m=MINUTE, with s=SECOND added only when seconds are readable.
h=10 m=38
